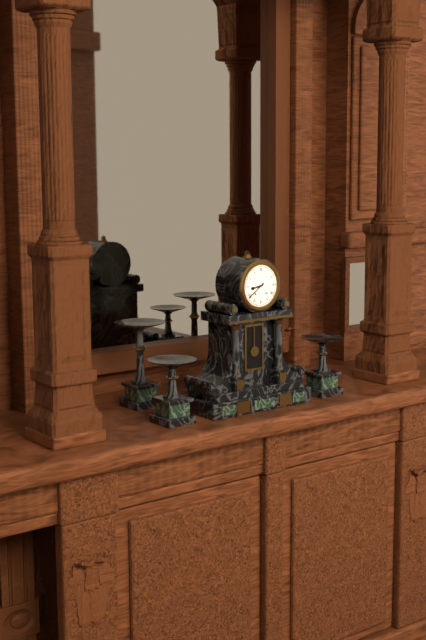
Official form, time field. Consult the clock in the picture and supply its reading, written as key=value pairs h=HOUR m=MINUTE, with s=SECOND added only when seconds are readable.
h=8 m=39
